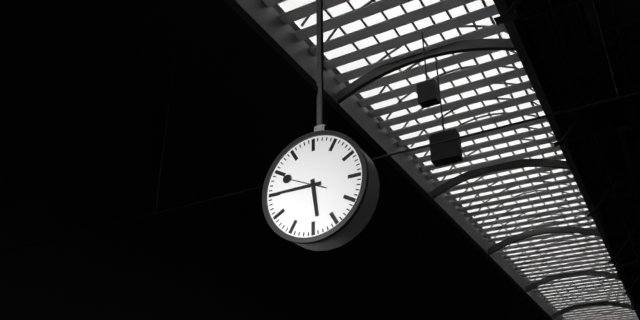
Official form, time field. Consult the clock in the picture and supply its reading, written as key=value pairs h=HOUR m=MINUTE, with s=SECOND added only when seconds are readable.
h=5 m=45
